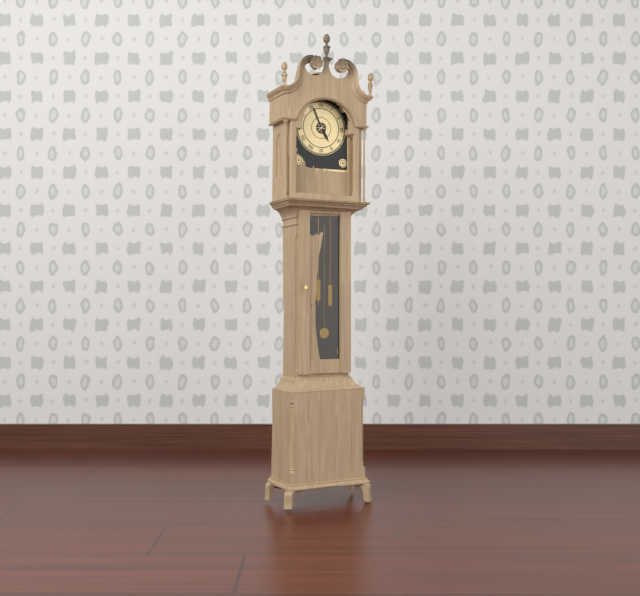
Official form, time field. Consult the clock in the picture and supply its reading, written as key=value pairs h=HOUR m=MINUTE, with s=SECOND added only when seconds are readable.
h=4 m=56
